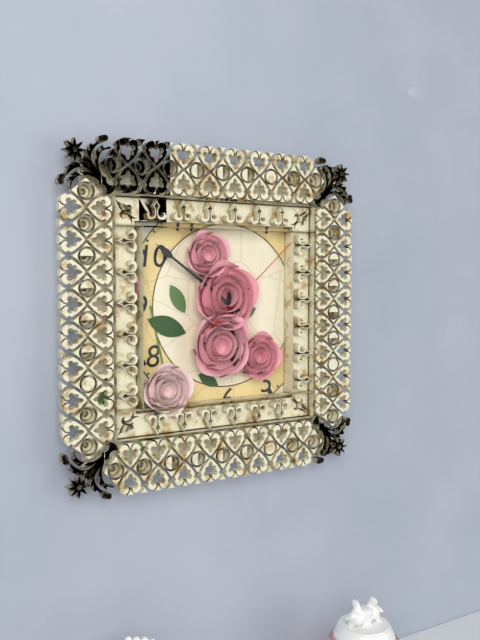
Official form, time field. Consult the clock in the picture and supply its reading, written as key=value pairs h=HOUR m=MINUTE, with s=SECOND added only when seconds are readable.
h=5 m=51 s=8
